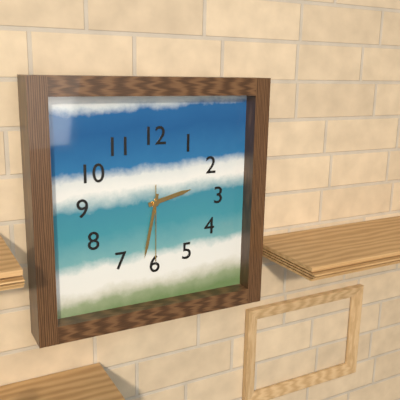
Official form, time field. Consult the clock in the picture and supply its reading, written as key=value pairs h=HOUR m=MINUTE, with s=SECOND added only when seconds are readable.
h=2 m=32 s=30
